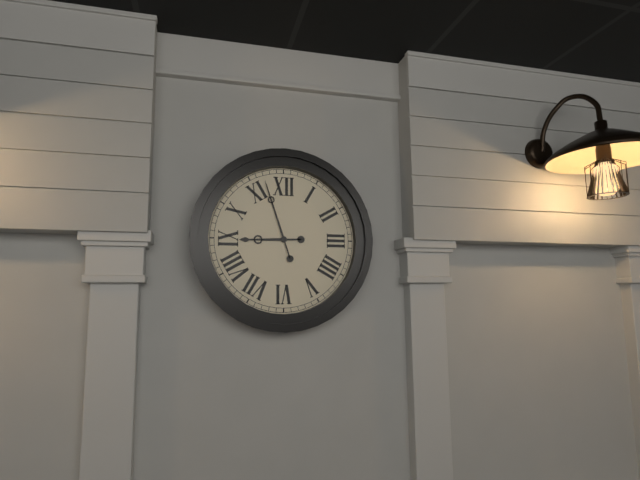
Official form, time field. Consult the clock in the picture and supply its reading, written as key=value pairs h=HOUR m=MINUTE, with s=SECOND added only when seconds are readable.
h=8 m=57
